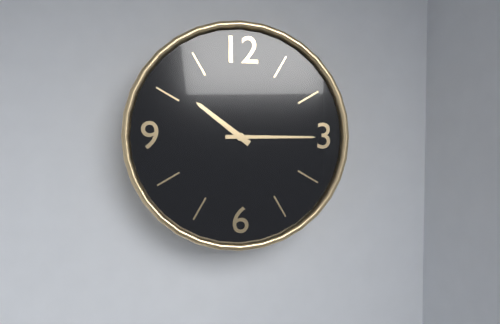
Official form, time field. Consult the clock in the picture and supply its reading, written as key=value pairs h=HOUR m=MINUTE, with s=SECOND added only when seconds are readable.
h=10 m=15
